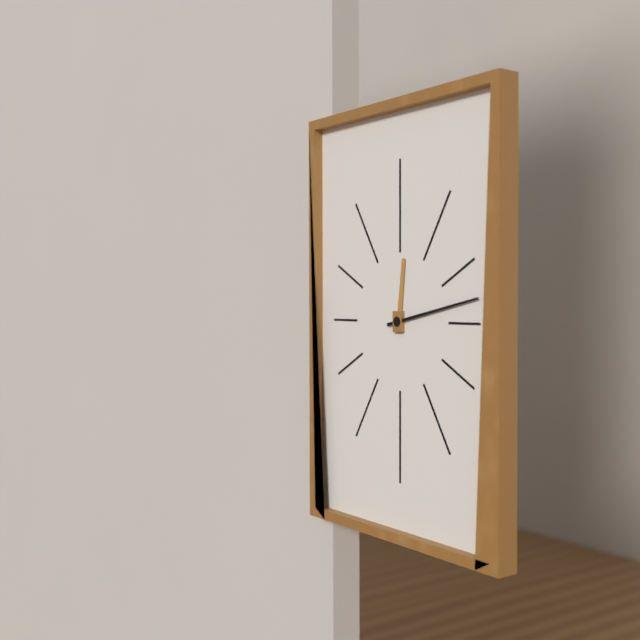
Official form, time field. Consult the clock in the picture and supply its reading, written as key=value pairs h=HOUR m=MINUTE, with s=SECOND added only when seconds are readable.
h=12 m=13
